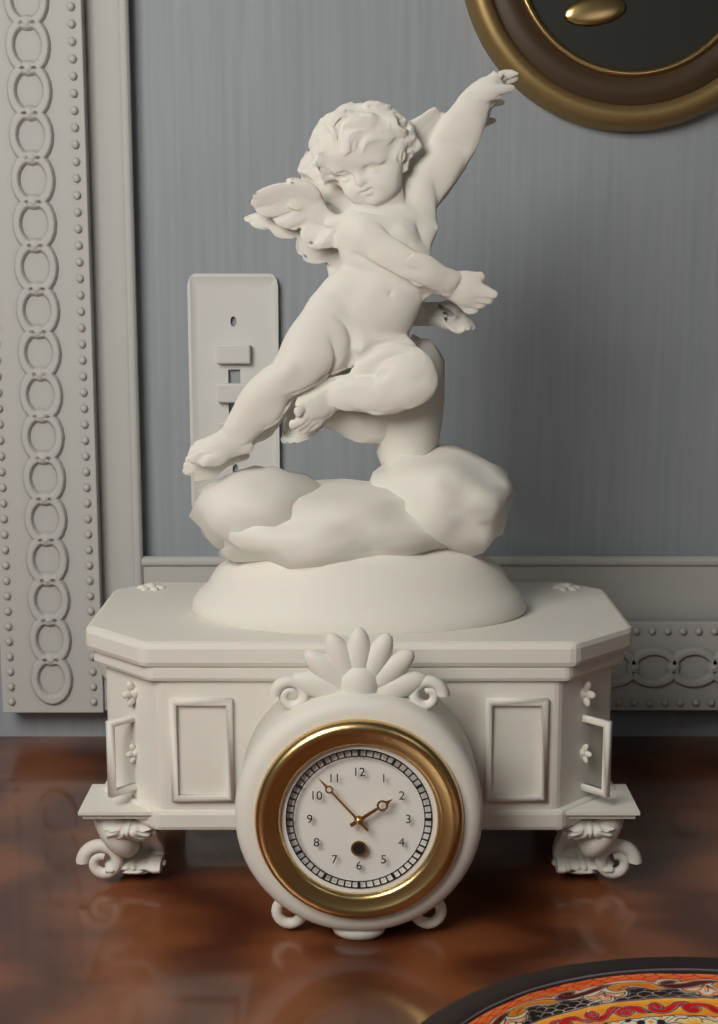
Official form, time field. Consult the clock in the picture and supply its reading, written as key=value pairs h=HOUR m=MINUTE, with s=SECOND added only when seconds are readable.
h=1 m=53
